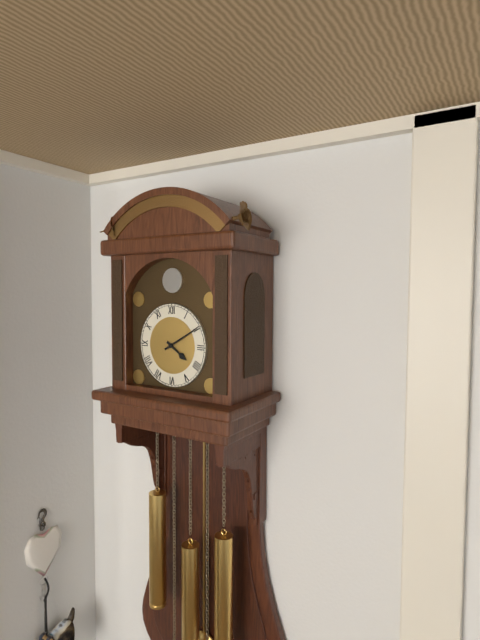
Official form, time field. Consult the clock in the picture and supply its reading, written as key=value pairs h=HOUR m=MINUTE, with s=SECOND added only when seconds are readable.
h=4 m=10
